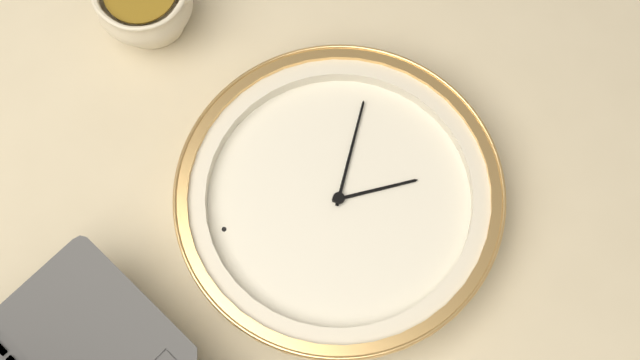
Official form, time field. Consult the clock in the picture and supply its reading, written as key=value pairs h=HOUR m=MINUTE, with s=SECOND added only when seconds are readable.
h=5 m=16
